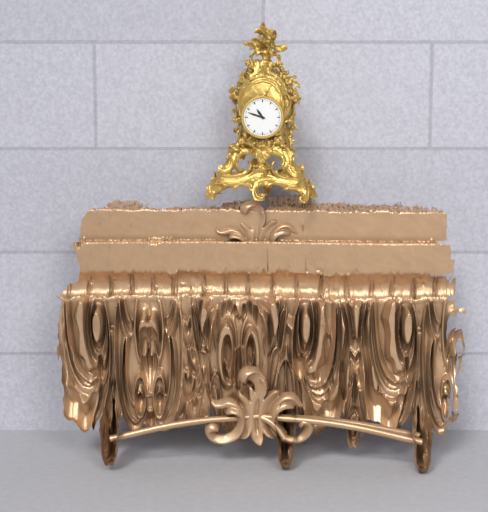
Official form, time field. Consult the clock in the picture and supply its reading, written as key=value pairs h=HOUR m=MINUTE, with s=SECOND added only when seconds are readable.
h=10 m=48
